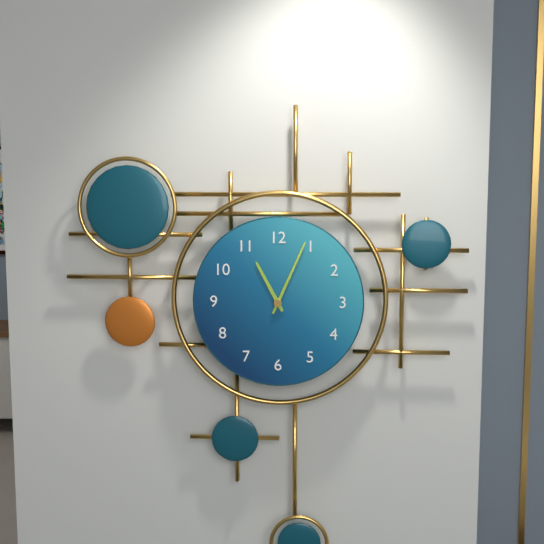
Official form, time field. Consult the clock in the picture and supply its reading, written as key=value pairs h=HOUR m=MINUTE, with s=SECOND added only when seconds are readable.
h=11 m=4
